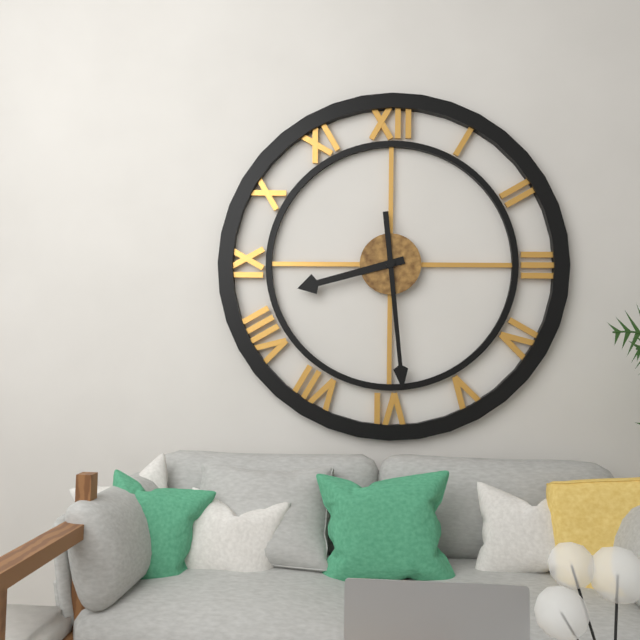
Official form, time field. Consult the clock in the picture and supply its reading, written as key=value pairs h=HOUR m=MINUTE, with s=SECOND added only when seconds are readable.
h=8 m=29
